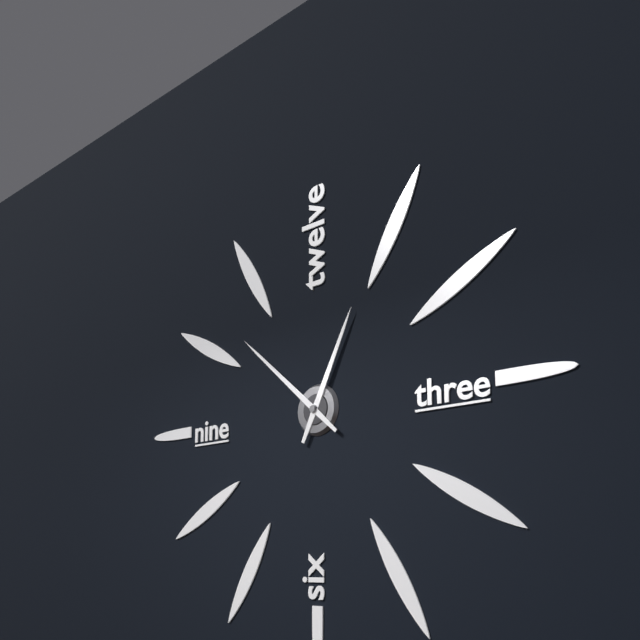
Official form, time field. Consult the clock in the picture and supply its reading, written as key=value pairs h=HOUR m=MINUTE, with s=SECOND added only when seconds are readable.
h=12 m=52
